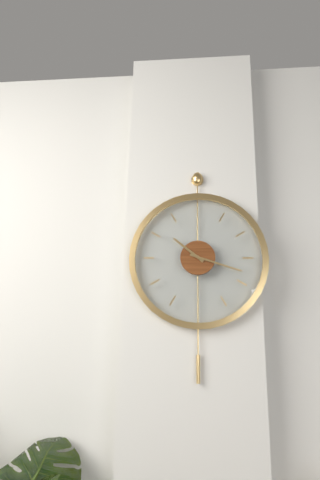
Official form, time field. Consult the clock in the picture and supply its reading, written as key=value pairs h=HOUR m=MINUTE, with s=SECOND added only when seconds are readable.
h=10 m=18
